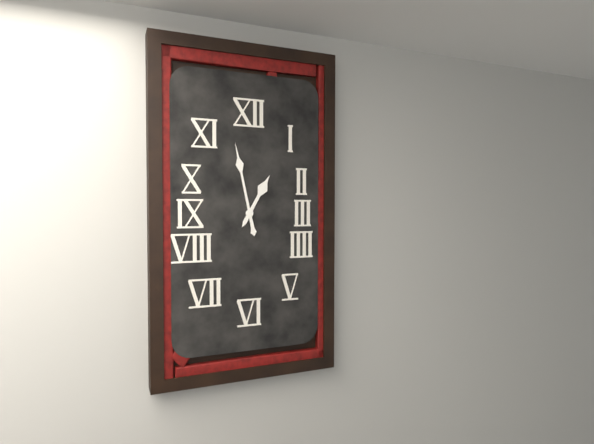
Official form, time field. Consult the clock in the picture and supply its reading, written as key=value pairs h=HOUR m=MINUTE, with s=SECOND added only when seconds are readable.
h=12 m=58
